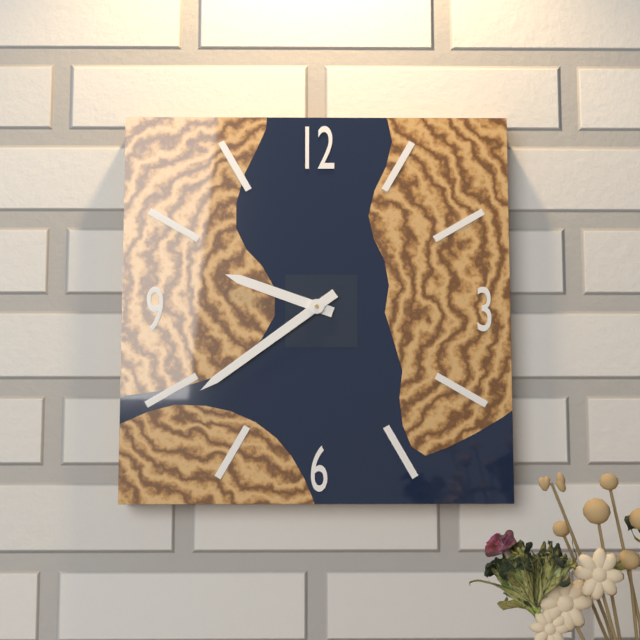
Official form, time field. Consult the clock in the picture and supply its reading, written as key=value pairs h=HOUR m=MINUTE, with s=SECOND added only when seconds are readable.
h=9 m=39
